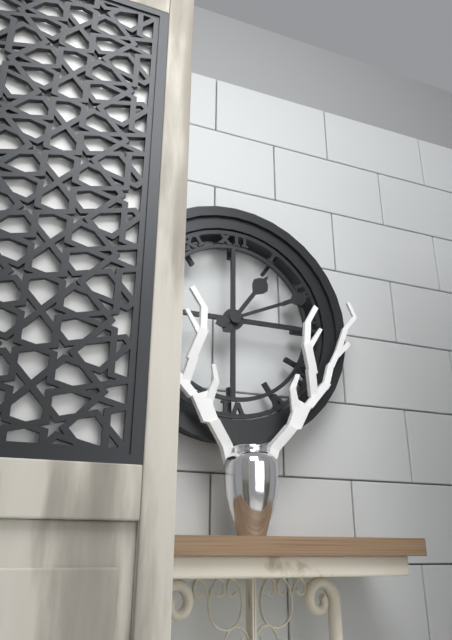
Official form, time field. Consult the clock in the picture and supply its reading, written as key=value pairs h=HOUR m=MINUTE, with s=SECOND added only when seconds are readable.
h=1 m=11
